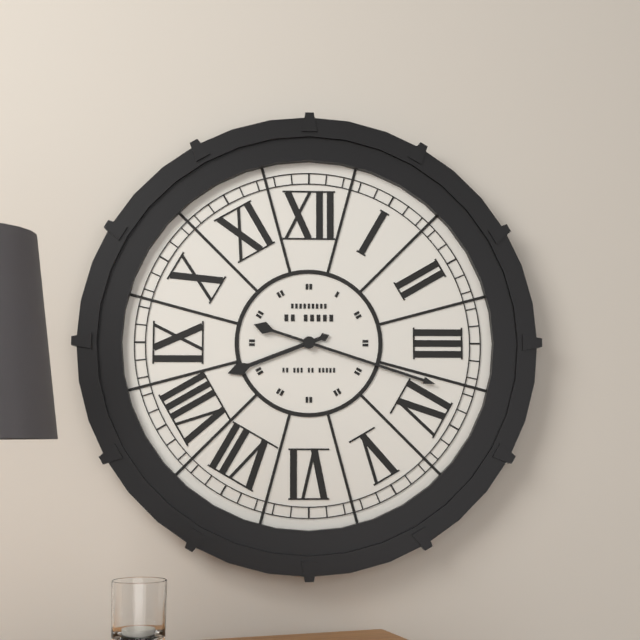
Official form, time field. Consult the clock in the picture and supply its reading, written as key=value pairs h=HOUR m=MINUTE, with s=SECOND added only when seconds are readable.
h=8 m=18
